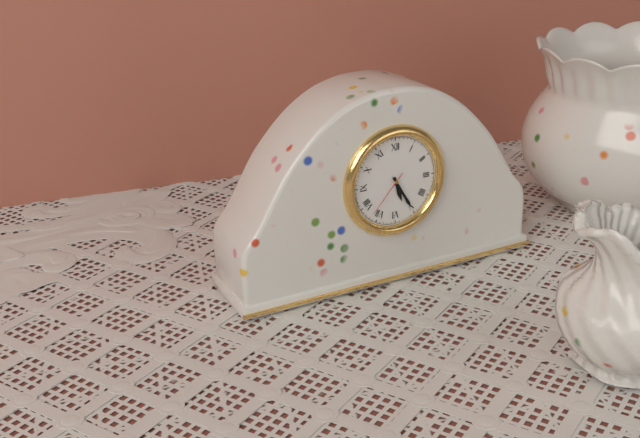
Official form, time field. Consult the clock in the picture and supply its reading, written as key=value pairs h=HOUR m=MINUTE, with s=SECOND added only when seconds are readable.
h=5 m=25
